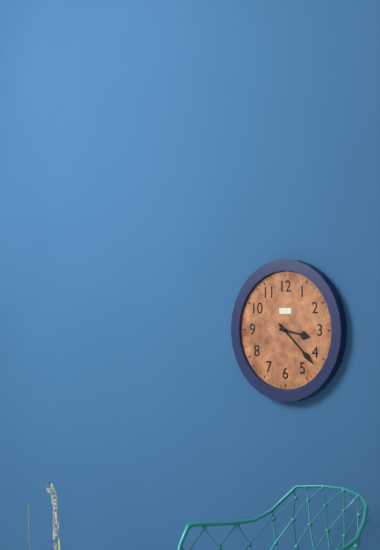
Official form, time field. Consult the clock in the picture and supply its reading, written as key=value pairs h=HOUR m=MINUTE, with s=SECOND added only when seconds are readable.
h=3 m=22
